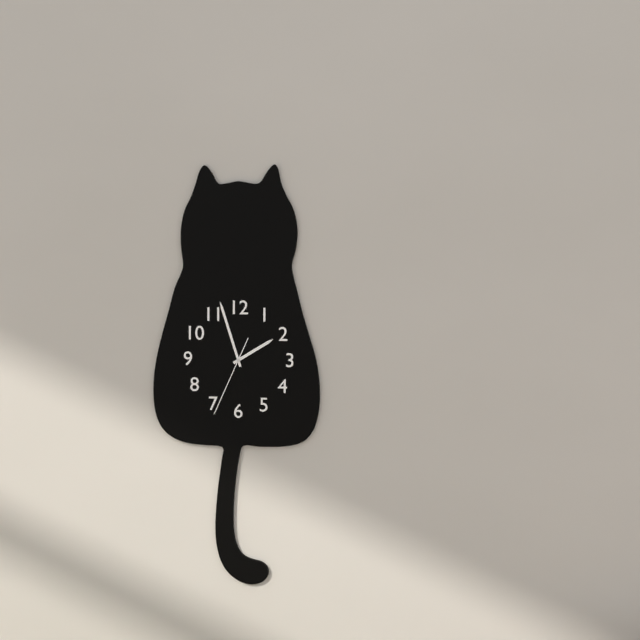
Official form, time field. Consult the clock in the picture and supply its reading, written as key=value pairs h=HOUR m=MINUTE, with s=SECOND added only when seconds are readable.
h=1 m=57 s=34
